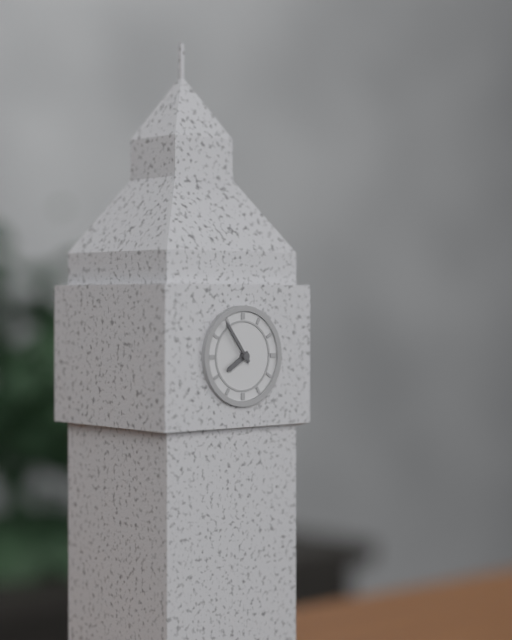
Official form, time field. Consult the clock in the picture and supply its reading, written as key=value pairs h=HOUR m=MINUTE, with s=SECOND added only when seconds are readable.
h=7 m=54
